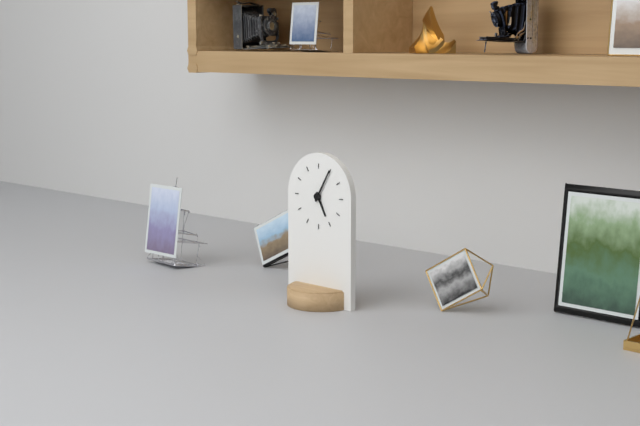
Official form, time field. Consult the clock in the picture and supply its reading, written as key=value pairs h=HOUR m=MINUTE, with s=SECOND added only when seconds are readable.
h=5 m=5
